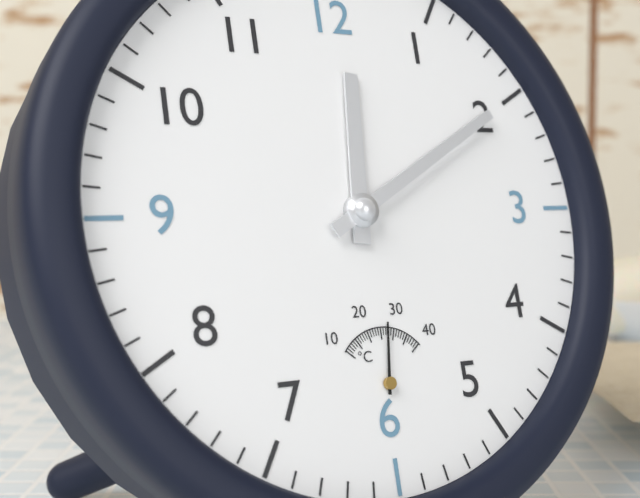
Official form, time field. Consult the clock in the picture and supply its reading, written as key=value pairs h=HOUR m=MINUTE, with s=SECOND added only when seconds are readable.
h=12 m=10
